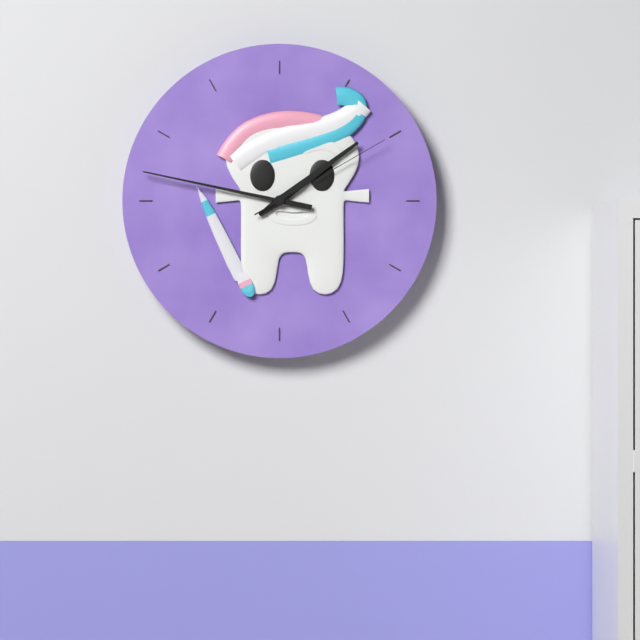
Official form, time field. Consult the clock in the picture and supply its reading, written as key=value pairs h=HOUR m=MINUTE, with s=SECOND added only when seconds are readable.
h=1 m=47 s=10
